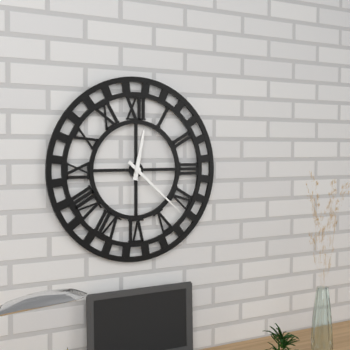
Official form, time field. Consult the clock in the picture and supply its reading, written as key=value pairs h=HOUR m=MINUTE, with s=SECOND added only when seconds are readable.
h=12 m=22
